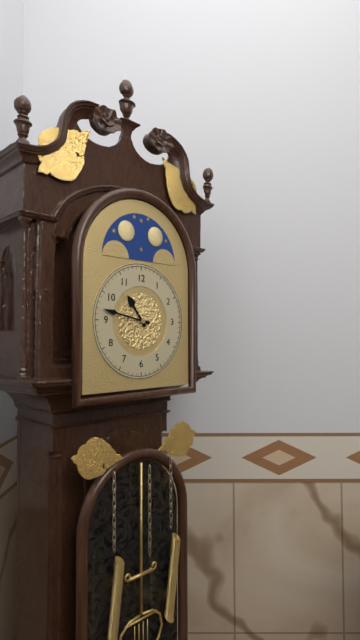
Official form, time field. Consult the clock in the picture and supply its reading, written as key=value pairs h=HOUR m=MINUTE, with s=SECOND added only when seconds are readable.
h=10 m=47
